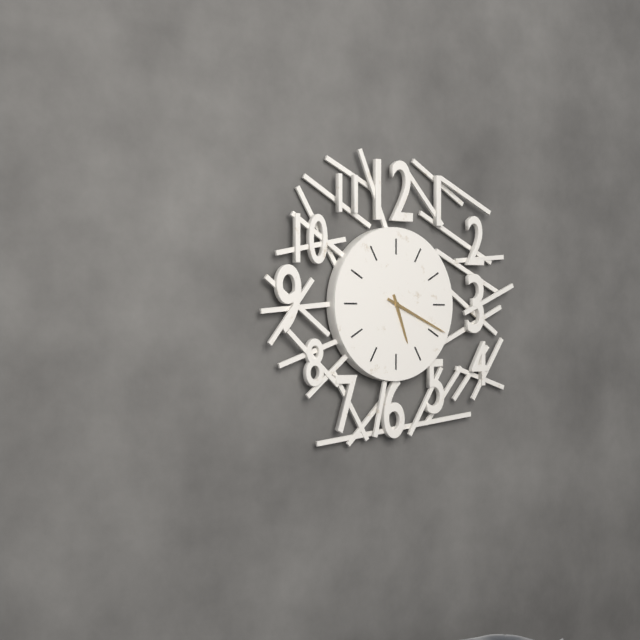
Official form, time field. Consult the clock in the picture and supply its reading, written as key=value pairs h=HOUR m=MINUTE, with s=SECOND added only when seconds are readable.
h=5 m=19
